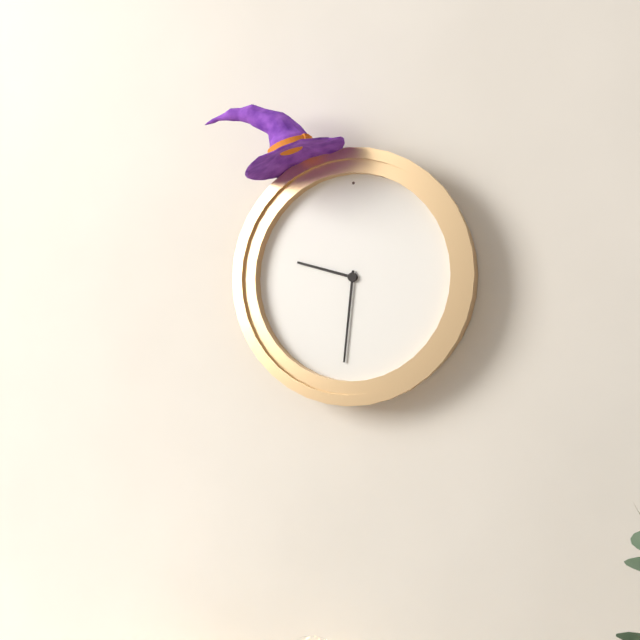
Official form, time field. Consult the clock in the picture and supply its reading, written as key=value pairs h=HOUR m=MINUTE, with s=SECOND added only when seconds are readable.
h=9 m=31
